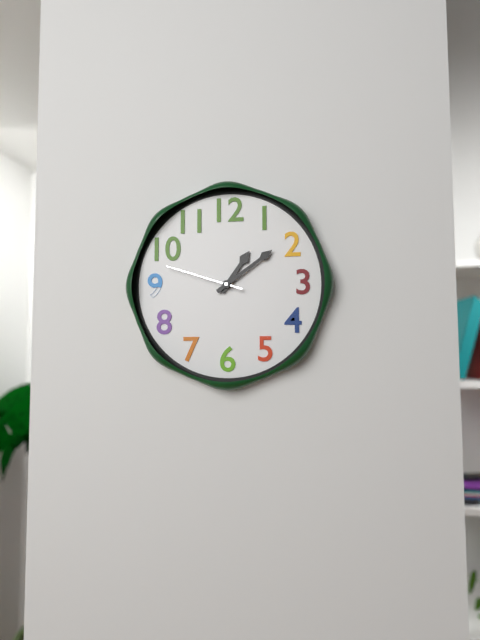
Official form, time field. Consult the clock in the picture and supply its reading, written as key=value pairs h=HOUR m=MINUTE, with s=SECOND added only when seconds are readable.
h=1 m=9 s=48
